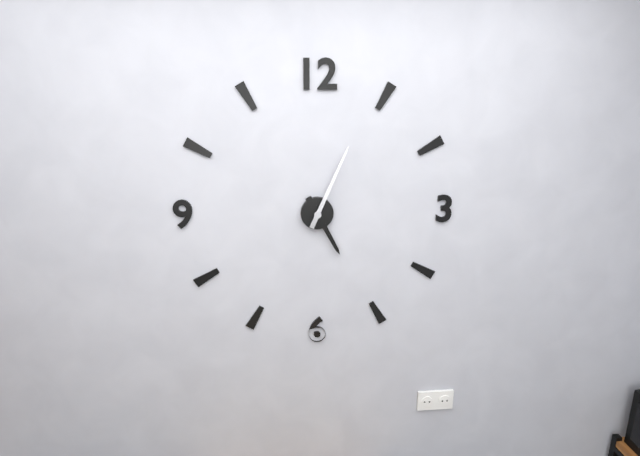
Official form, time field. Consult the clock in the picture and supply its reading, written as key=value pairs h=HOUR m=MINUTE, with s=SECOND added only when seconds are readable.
h=5 m=4
